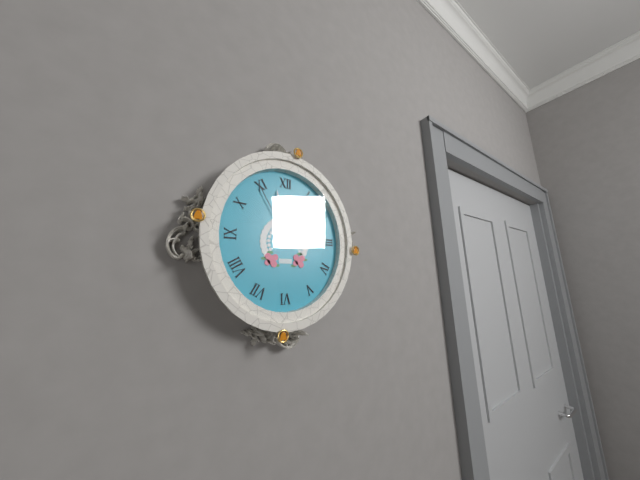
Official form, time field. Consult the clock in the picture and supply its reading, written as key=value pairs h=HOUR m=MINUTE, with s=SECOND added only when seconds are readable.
h=1 m=58 s=55
